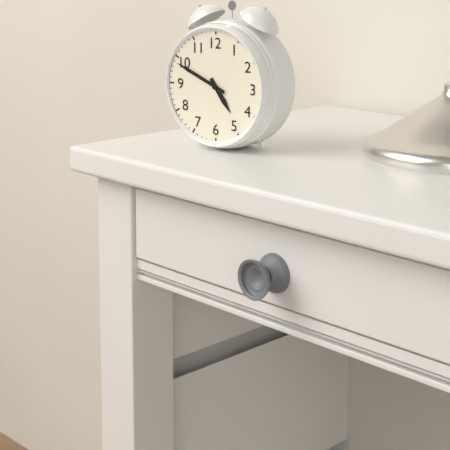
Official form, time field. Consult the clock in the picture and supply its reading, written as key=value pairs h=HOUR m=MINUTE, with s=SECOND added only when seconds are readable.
h=4 m=49
